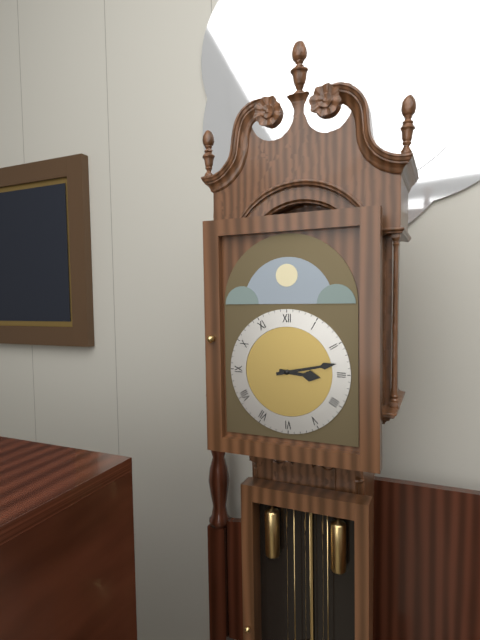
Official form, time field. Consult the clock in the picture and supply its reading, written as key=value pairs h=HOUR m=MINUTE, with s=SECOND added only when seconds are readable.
h=3 m=13
